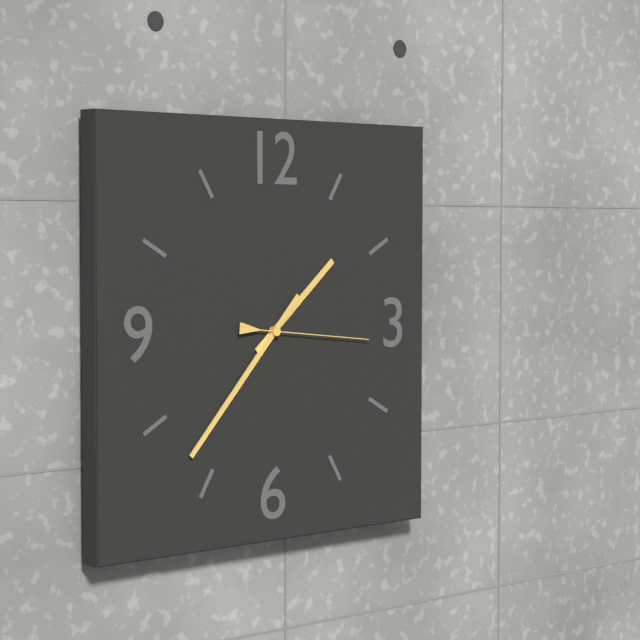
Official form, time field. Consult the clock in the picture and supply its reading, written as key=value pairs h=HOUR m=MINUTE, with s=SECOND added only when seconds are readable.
h=1 m=37 s=16
